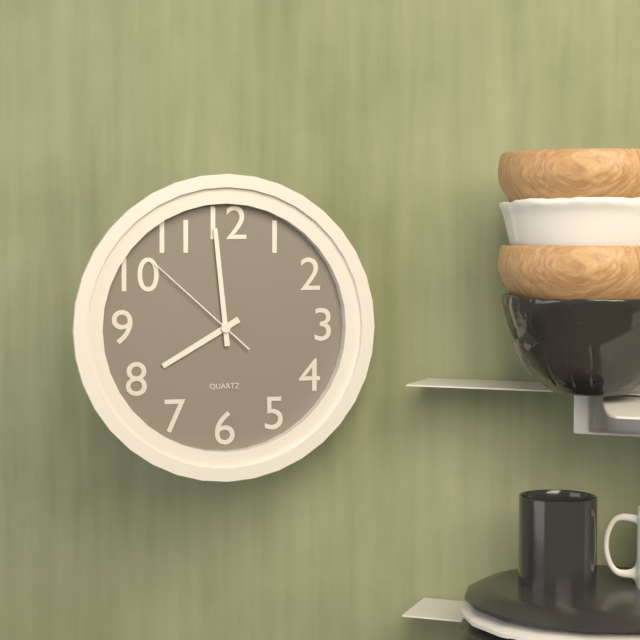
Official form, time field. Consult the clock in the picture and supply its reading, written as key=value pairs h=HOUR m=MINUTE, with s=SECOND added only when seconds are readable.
h=7 m=59 s=52
